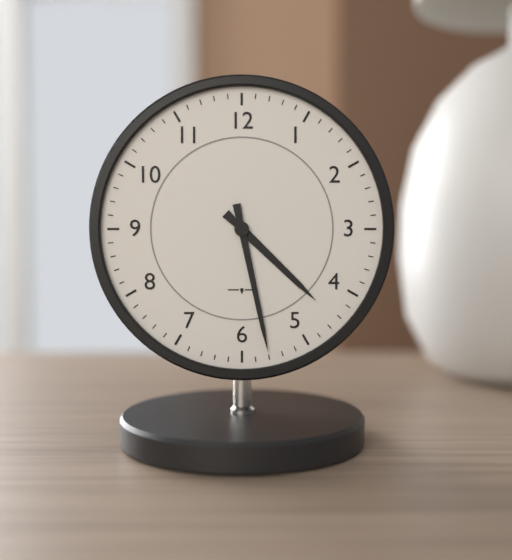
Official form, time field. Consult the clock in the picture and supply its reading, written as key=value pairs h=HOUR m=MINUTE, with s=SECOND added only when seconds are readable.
h=4 m=28
